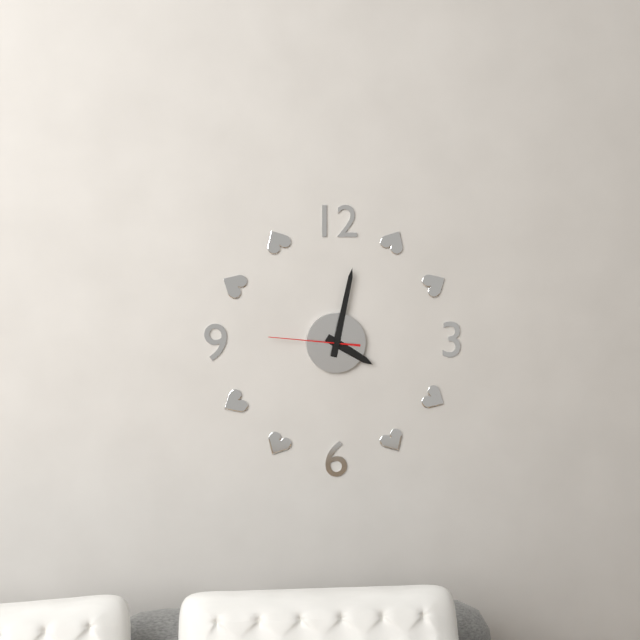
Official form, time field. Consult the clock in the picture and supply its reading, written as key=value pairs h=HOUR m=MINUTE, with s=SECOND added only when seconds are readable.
h=4 m=2 s=46
